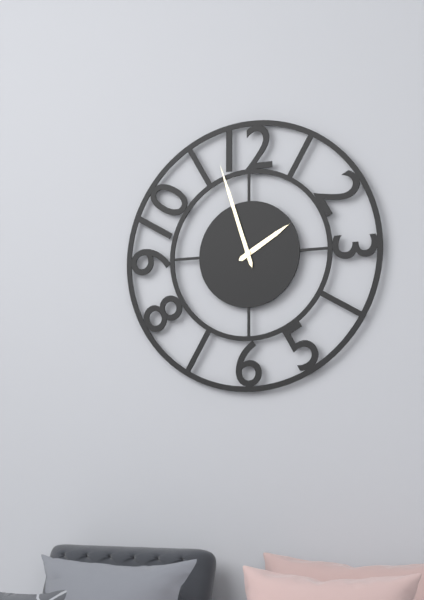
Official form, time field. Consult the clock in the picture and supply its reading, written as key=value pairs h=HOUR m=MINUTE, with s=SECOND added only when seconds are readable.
h=1 m=57
